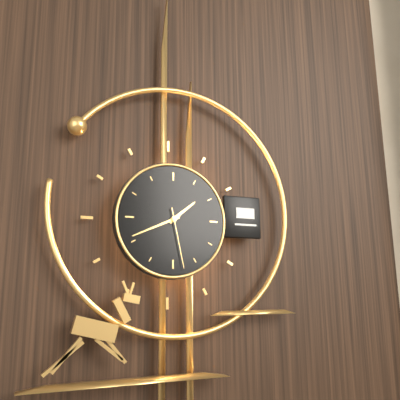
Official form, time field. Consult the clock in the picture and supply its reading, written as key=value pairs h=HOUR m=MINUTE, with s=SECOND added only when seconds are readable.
h=1 m=41 s=28
